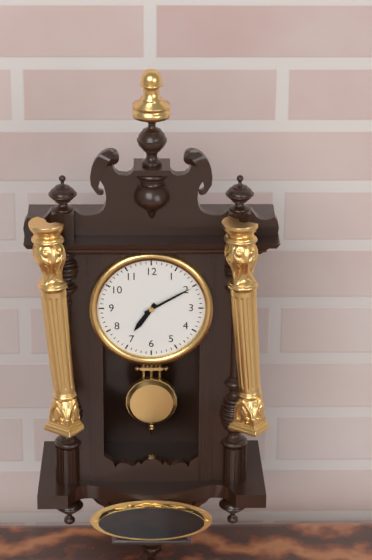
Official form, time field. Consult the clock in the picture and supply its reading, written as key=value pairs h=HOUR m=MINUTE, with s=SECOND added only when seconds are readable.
h=7 m=10
